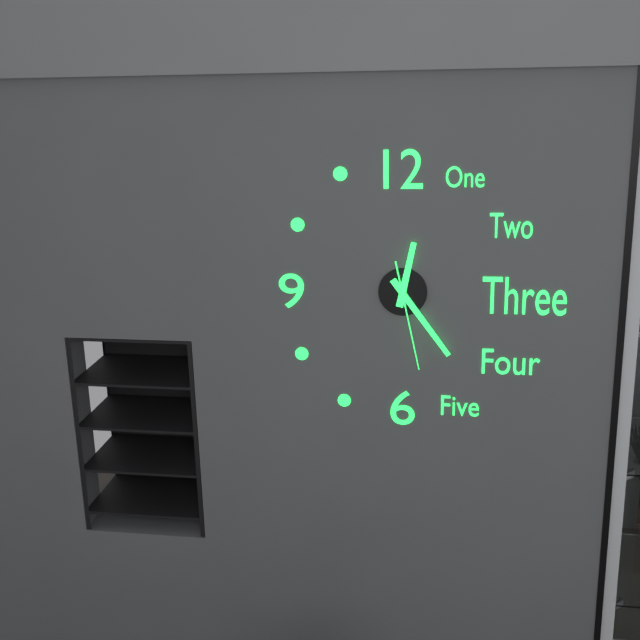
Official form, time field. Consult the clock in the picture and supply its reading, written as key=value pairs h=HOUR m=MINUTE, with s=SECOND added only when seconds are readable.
h=12 m=24 s=28
